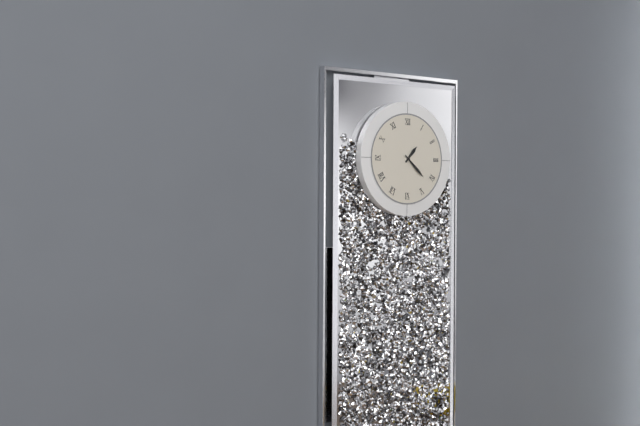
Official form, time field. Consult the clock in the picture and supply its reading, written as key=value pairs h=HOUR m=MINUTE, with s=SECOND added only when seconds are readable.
h=1 m=22
